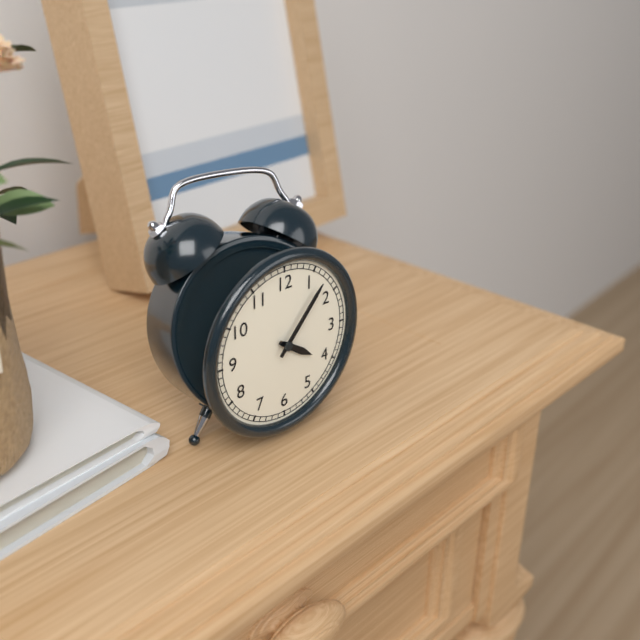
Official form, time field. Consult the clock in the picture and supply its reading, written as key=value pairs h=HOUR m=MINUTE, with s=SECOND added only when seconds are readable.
h=4 m=7
